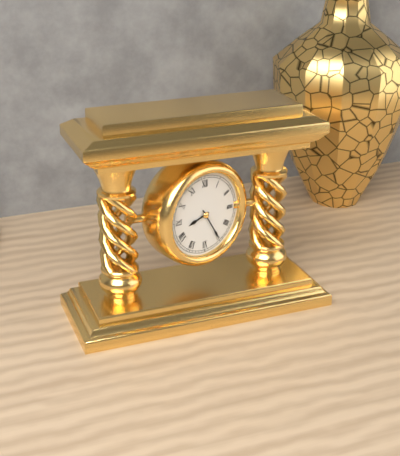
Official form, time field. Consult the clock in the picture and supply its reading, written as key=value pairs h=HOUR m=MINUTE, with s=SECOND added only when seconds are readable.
h=8 m=25
